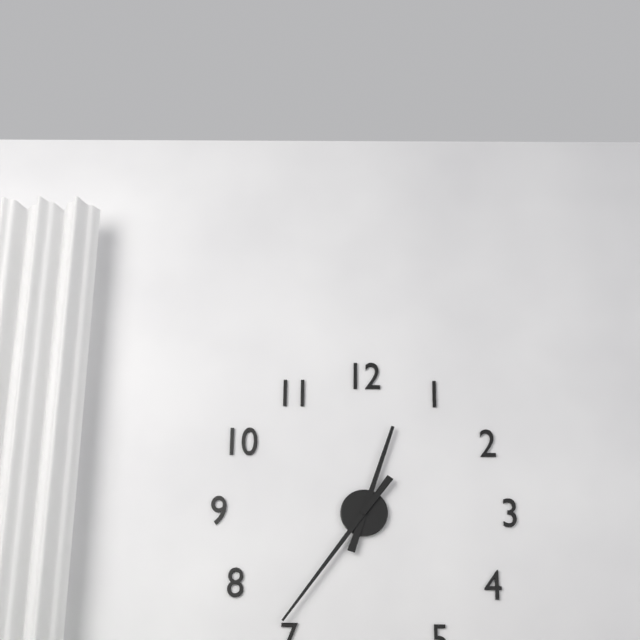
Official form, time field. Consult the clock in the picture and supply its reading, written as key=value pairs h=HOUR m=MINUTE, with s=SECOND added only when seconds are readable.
h=12 m=36
